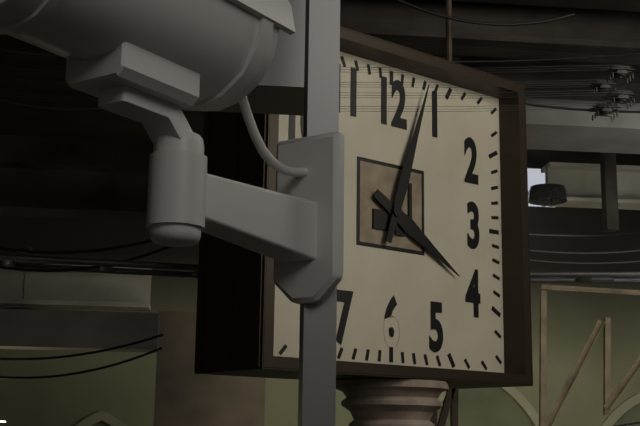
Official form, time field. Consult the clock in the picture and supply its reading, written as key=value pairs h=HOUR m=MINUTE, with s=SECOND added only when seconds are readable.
h=4 m=3
